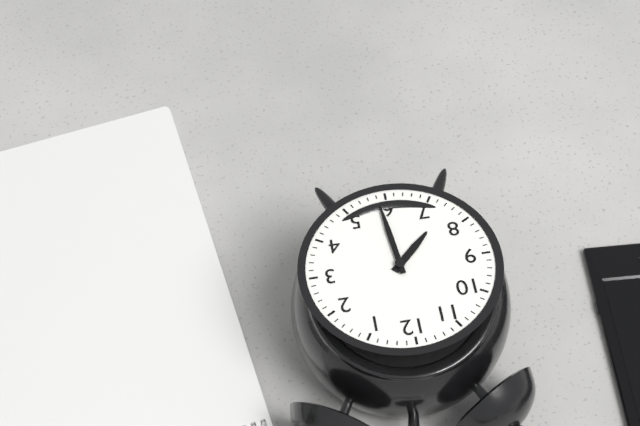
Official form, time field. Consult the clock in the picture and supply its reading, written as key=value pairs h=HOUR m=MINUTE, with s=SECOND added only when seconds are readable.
h=7 m=29
